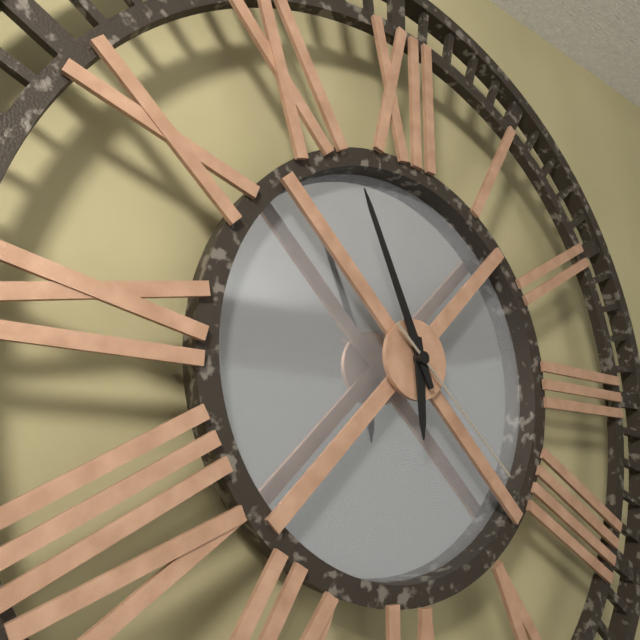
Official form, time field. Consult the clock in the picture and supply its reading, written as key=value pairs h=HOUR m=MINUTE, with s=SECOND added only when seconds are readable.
h=5 m=56 s=22
